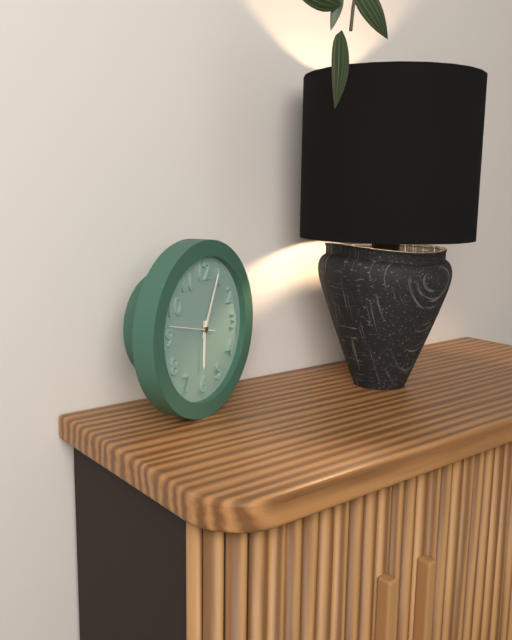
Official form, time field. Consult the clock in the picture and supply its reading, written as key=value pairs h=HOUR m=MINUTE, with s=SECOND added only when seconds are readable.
h=6 m=4
